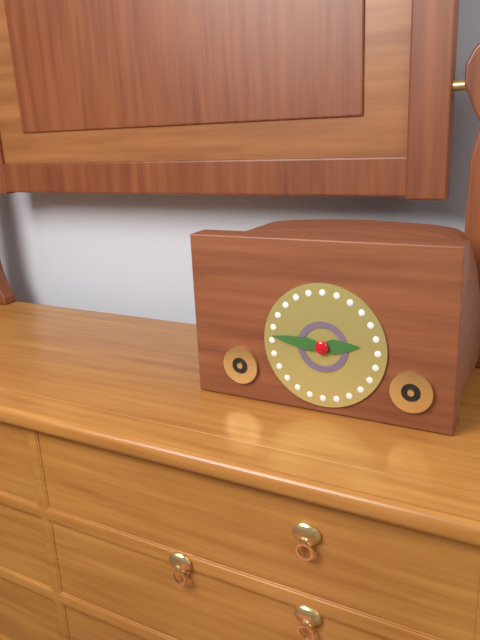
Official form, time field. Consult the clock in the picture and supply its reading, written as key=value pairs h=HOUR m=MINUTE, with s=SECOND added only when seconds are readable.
h=2 m=46
